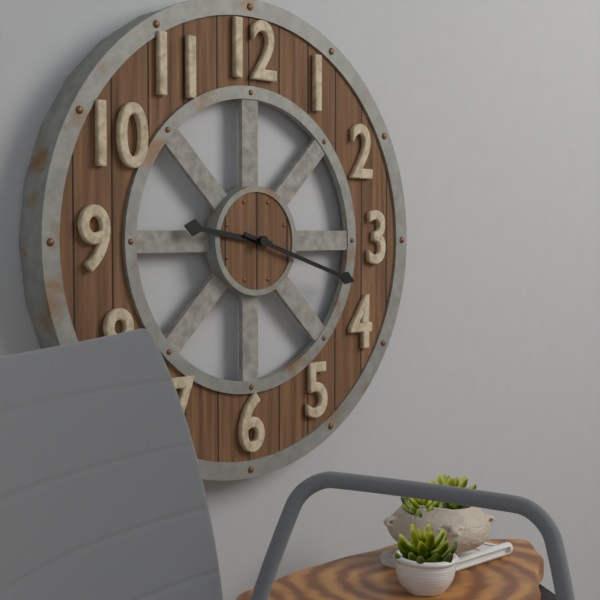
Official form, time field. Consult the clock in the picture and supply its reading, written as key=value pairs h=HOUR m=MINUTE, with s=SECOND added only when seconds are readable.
h=9 m=18
